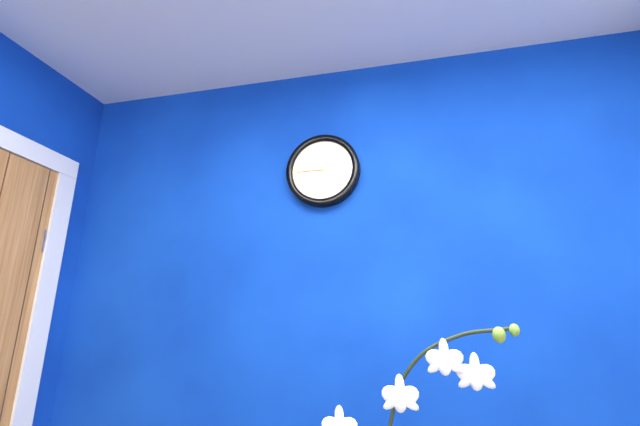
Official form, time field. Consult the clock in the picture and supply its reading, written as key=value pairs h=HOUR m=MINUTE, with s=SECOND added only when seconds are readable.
h=4 m=45
